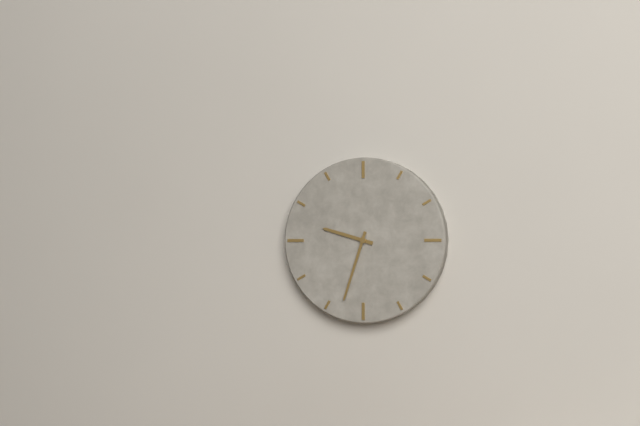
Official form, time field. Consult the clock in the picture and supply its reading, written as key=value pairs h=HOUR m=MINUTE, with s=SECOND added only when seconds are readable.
h=9 m=33
